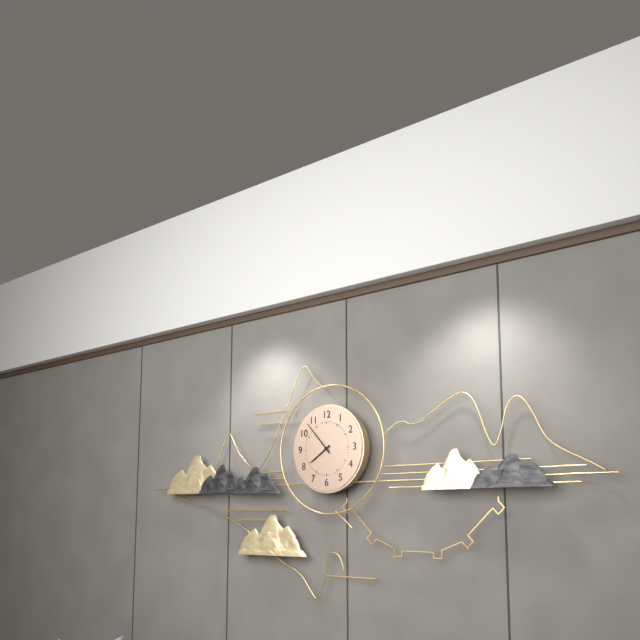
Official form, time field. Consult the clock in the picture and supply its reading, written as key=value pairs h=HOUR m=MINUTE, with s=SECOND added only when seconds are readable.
h=7 m=53
